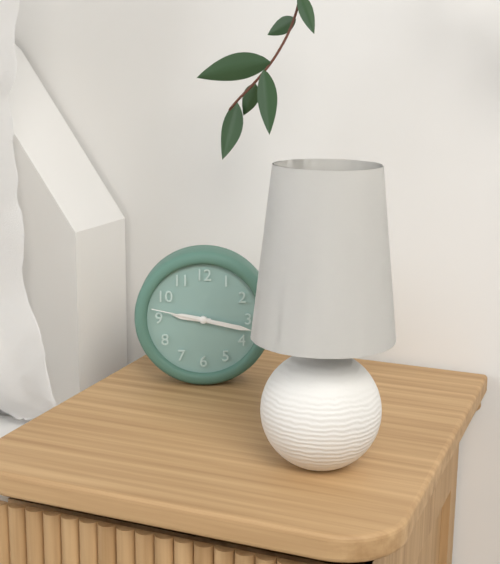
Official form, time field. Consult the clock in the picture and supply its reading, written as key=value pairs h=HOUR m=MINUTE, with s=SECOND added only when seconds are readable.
h=9 m=17 s=47
